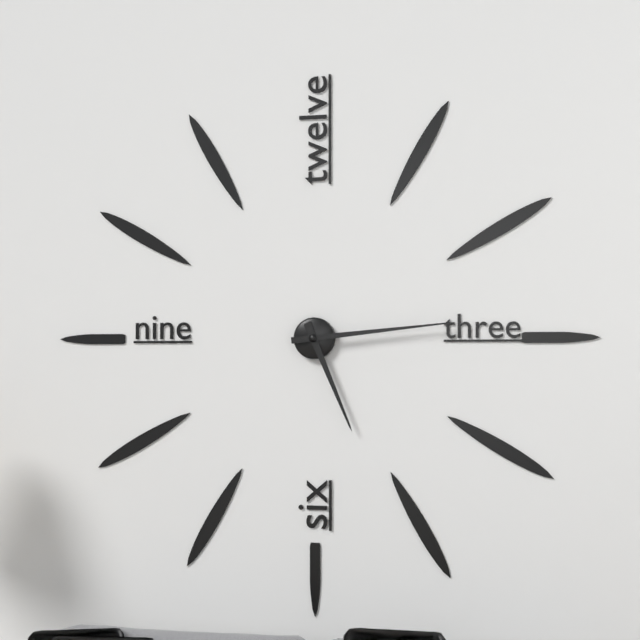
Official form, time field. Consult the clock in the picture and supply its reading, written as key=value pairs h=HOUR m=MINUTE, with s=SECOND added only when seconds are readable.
h=5 m=14
